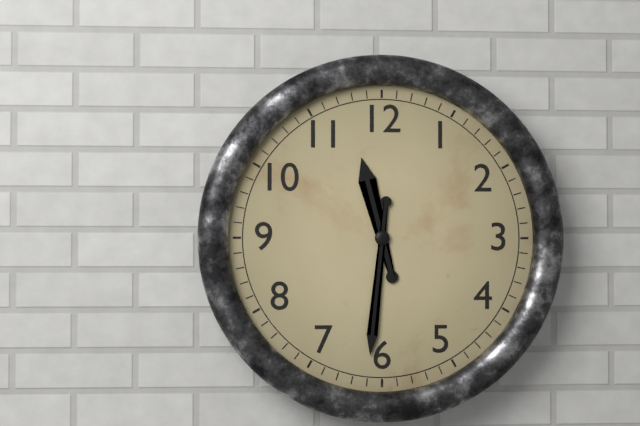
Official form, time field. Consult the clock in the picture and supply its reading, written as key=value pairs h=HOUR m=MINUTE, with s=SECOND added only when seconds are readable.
h=11 m=31
